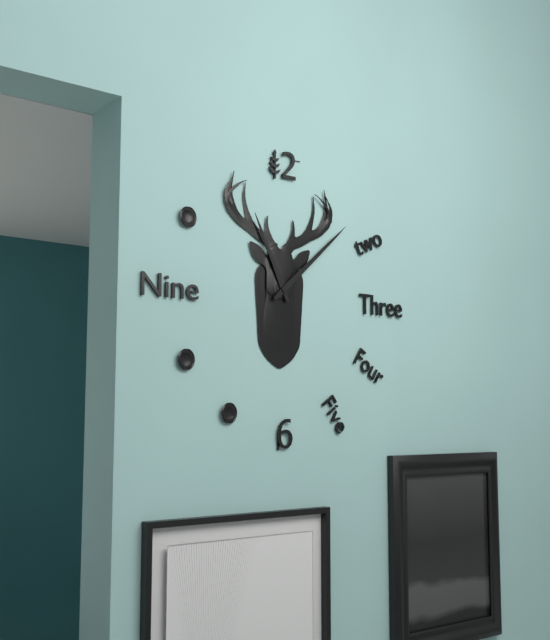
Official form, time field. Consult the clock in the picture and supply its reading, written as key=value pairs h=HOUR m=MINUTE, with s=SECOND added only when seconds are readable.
h=11 m=8
